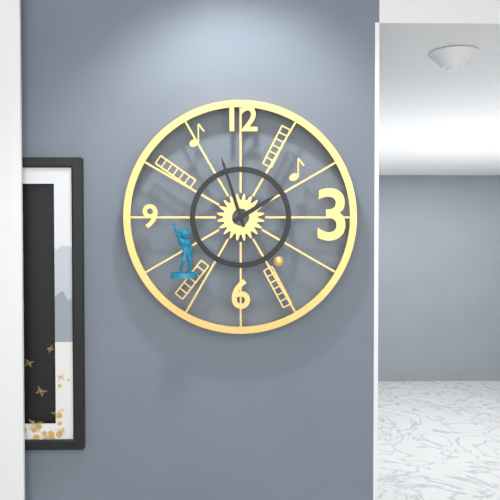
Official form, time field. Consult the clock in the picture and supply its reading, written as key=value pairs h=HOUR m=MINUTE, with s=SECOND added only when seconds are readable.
h=1 m=57
